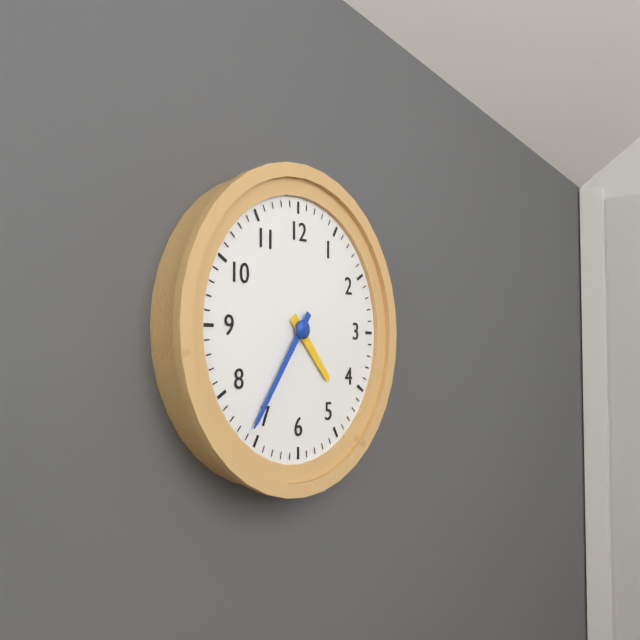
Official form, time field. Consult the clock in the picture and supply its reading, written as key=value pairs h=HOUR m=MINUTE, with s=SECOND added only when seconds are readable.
h=4 m=36
